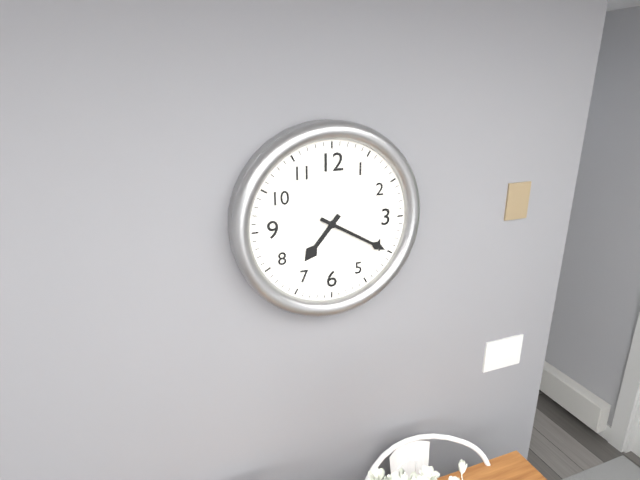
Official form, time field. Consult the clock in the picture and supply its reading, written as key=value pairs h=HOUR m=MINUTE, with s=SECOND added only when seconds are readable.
h=7 m=20
